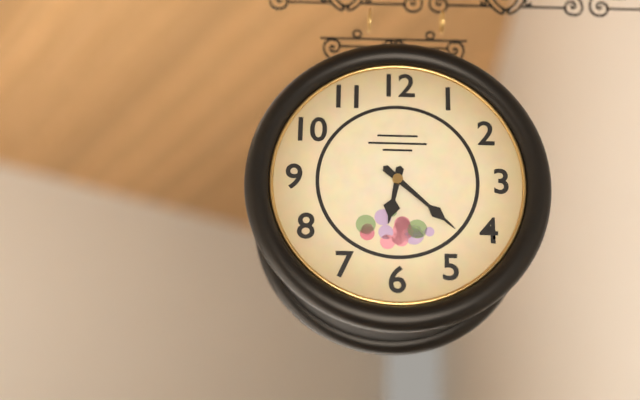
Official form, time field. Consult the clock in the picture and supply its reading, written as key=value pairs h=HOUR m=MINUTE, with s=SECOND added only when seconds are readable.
h=6 m=22
